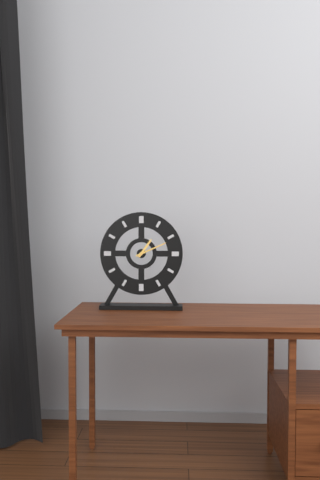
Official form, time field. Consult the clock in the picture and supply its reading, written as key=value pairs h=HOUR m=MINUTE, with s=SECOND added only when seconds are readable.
h=1 m=11
